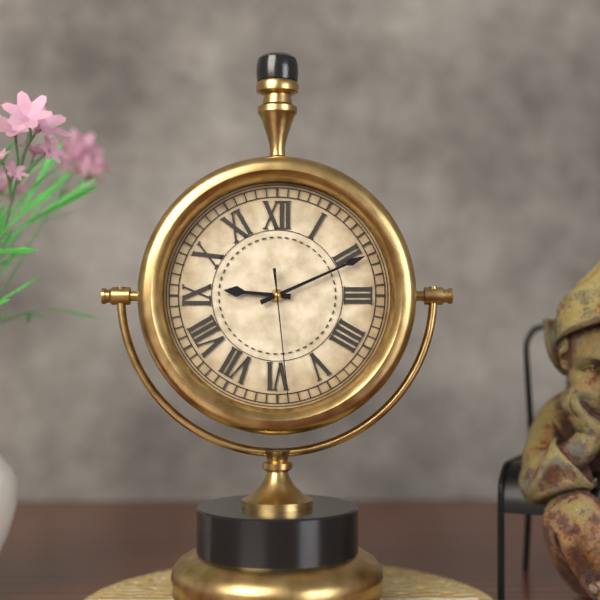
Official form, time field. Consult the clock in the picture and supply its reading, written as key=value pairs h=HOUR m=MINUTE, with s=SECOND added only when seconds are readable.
h=9 m=11 s=29
